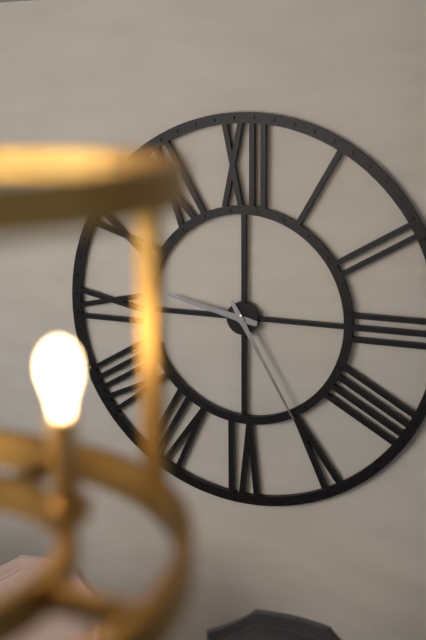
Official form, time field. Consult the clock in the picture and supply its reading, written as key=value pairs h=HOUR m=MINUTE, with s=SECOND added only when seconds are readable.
h=9 m=25
